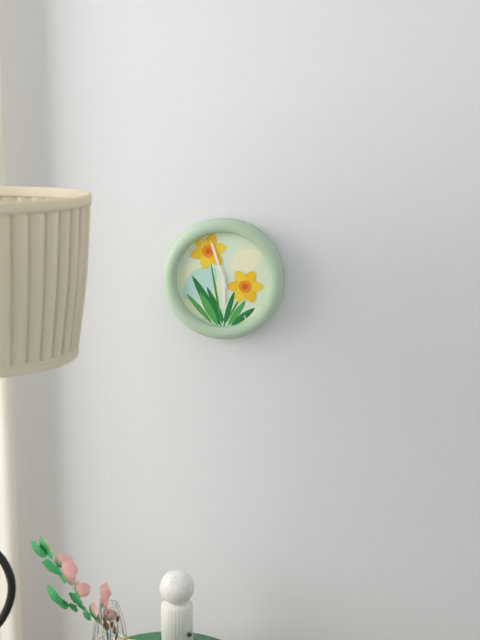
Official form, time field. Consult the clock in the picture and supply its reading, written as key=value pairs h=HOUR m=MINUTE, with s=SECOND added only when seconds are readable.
h=5 m=57
